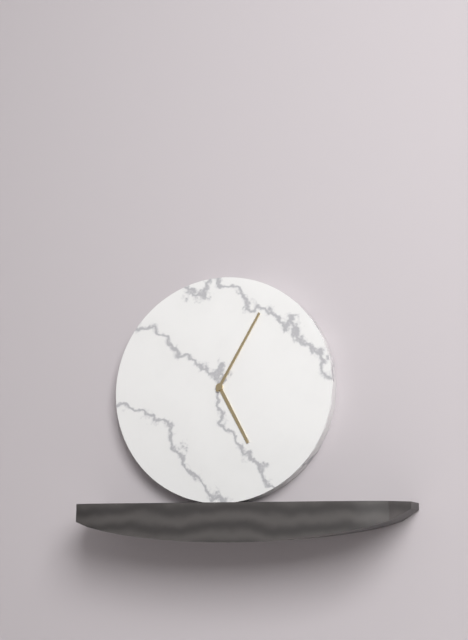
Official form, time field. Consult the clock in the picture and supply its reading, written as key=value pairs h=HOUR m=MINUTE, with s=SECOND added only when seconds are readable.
h=5 m=5
